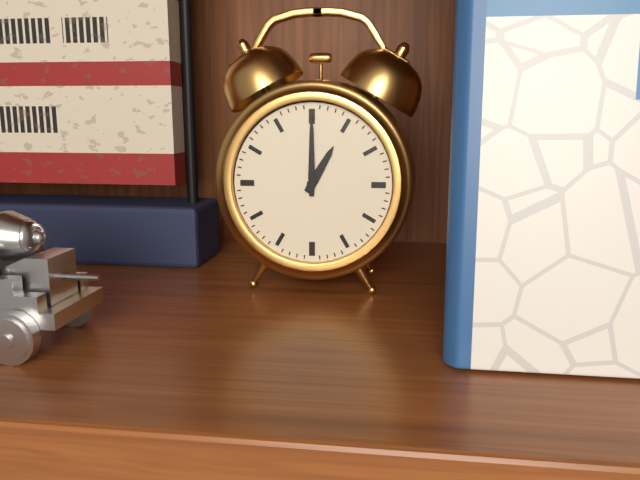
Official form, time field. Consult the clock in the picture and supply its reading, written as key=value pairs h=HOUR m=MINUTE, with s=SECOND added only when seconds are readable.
h=1 m=0
